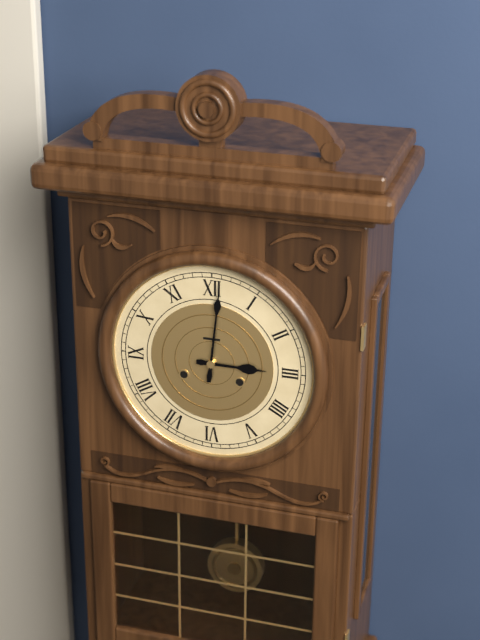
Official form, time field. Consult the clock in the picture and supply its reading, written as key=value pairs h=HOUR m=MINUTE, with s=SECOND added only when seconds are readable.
h=3 m=1
